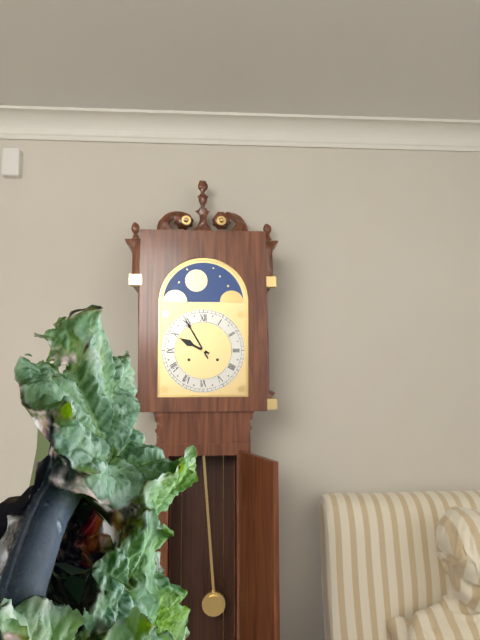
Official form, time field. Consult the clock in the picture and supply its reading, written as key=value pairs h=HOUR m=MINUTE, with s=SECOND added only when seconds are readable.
h=9 m=55
